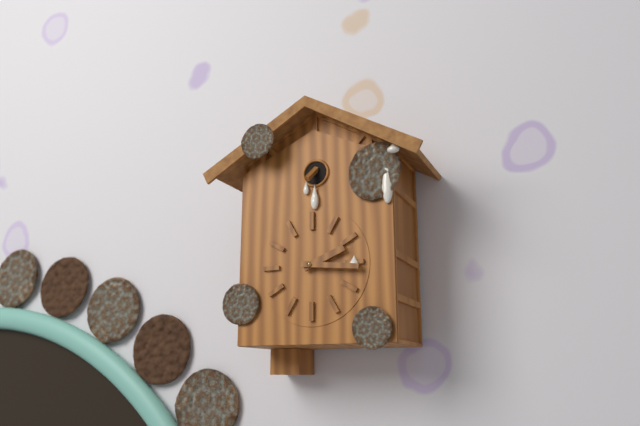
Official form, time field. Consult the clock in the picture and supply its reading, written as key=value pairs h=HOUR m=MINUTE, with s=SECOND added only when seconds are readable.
h=2 m=16
